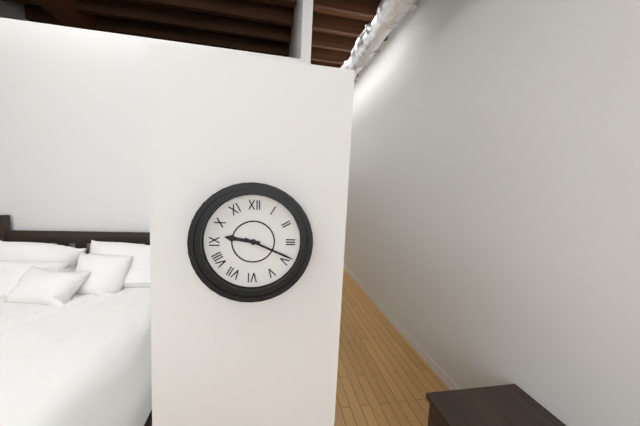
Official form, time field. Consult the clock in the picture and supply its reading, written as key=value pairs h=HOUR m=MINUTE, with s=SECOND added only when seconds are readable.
h=9 m=19
